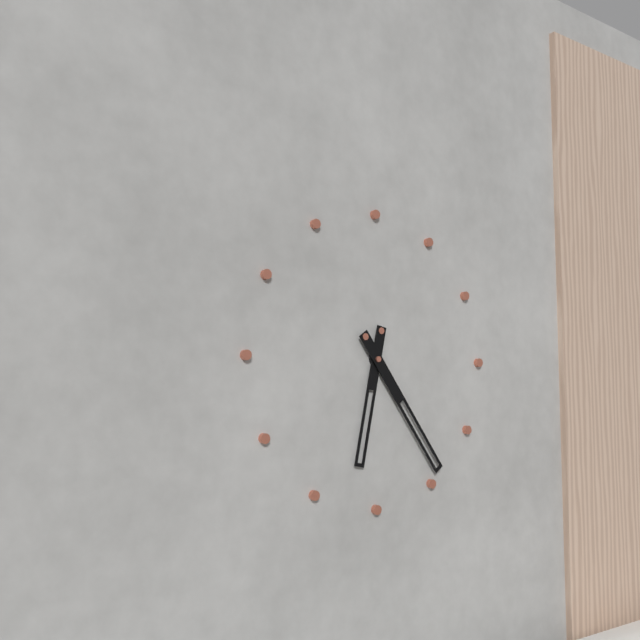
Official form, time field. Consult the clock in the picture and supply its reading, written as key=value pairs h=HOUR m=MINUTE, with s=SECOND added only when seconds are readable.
h=6 m=24
